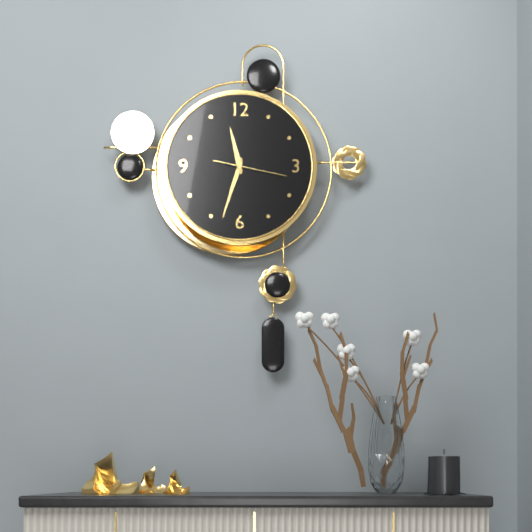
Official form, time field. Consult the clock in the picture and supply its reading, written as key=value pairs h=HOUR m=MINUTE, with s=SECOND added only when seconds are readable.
h=11 m=33 s=17
